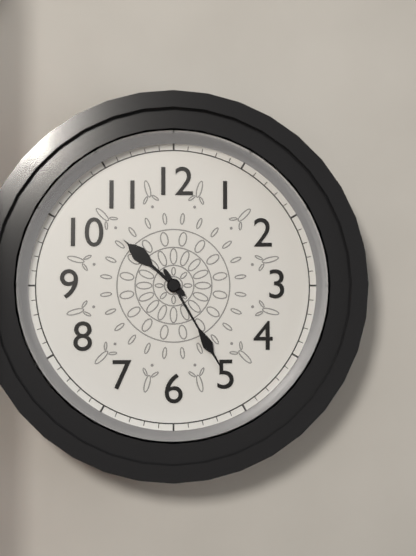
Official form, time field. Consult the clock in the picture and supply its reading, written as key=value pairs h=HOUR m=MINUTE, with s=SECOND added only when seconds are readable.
h=10 m=25
